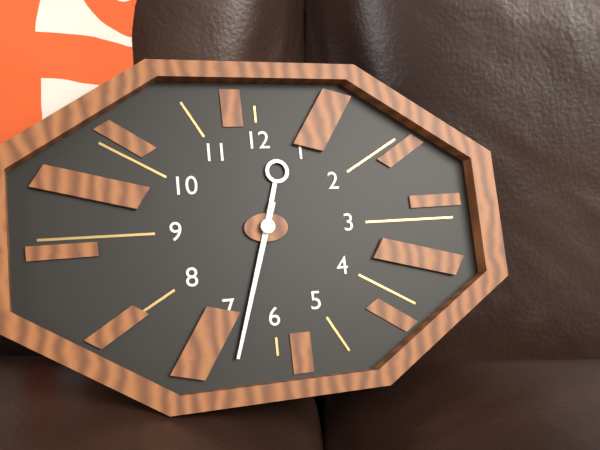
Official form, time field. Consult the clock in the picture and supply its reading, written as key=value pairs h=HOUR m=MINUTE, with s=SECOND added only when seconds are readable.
h=12 m=33
